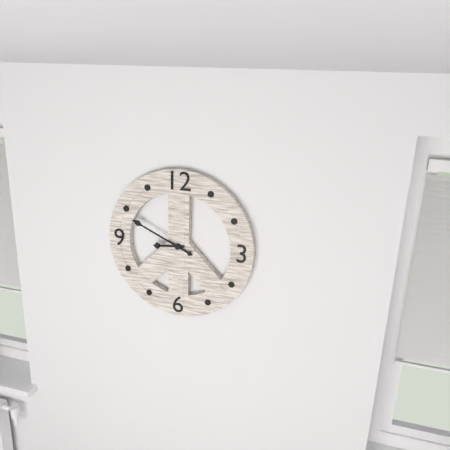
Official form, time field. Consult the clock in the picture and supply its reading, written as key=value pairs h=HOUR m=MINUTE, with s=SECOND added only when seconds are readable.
h=8 m=49
